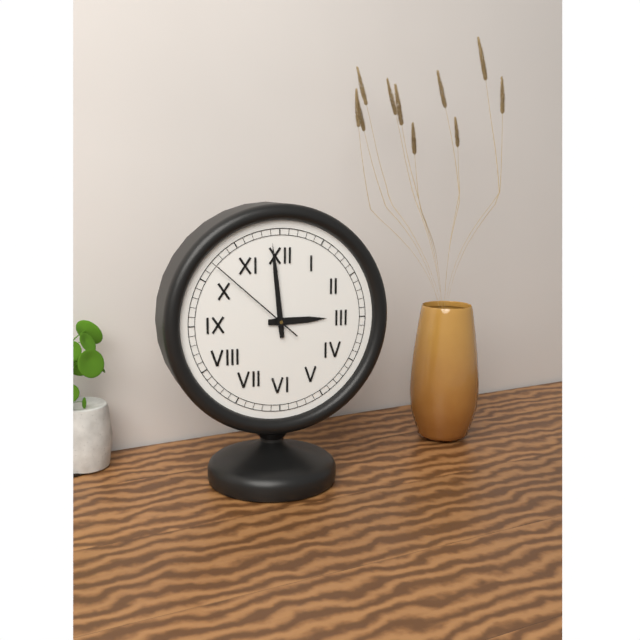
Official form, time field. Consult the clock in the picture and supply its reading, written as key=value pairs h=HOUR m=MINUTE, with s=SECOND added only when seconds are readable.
h=2 m=59 s=52
